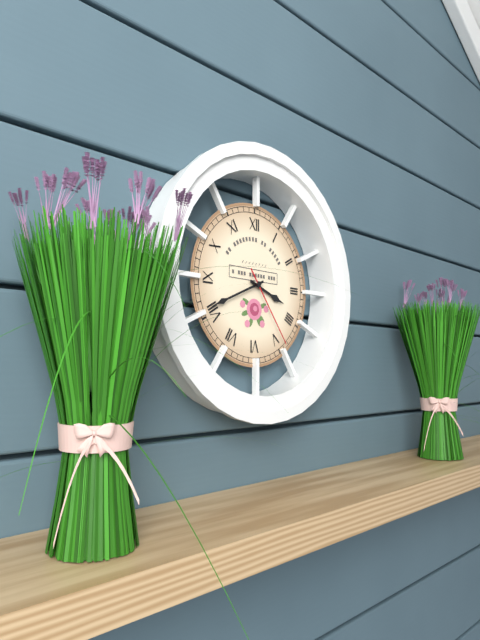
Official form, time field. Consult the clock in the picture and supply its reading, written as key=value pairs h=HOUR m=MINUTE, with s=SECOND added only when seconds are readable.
h=3 m=41 s=24
